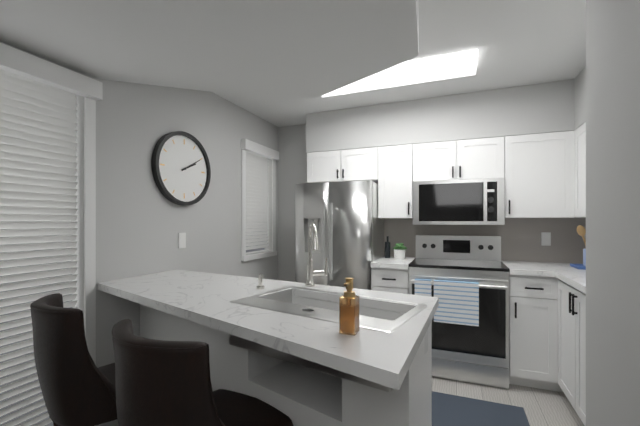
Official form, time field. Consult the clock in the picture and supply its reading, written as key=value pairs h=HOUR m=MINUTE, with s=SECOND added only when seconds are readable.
h=2 m=10
